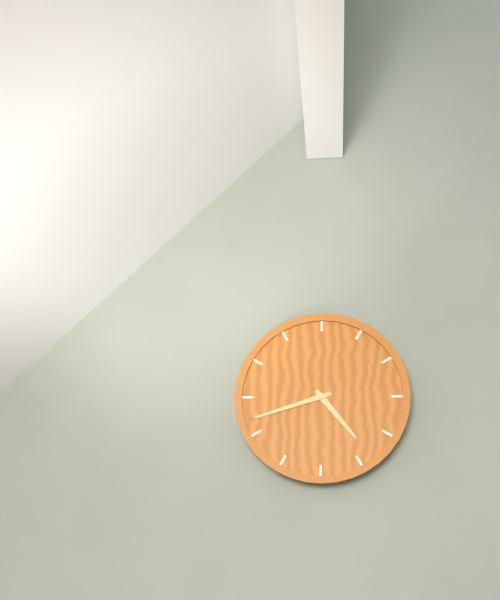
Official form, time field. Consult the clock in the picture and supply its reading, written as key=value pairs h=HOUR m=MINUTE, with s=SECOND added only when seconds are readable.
h=4 m=42
